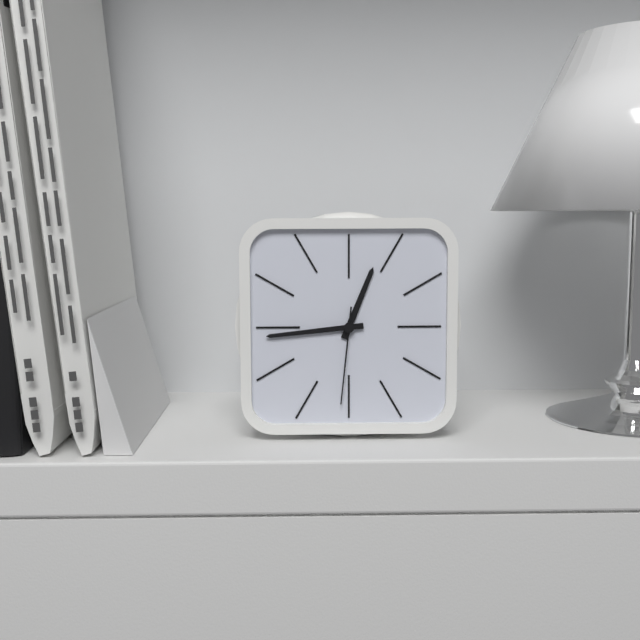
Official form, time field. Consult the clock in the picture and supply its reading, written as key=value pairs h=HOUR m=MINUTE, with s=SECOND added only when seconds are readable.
h=12 m=44 s=31
